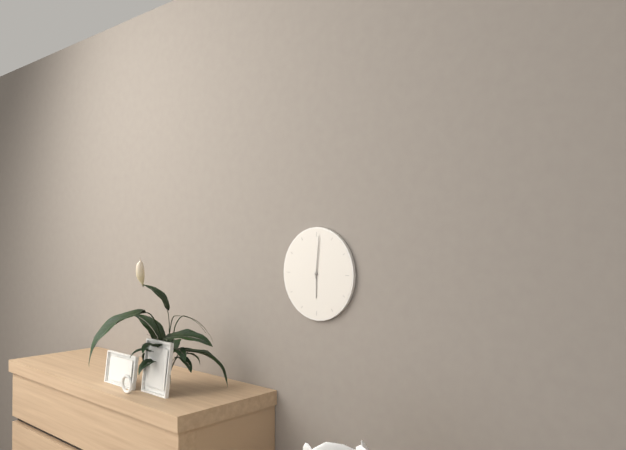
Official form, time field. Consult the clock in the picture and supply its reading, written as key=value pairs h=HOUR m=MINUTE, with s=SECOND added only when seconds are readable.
h=6 m=1
